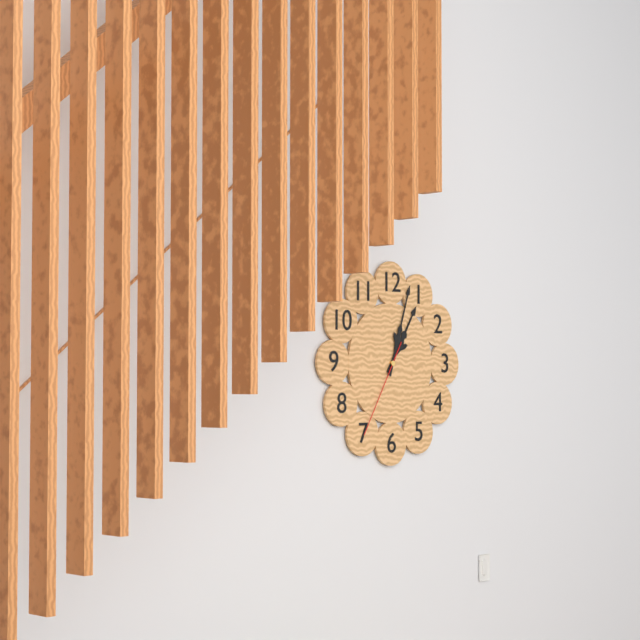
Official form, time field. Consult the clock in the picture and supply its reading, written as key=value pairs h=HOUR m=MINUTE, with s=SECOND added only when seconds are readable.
h=1 m=3 s=35
